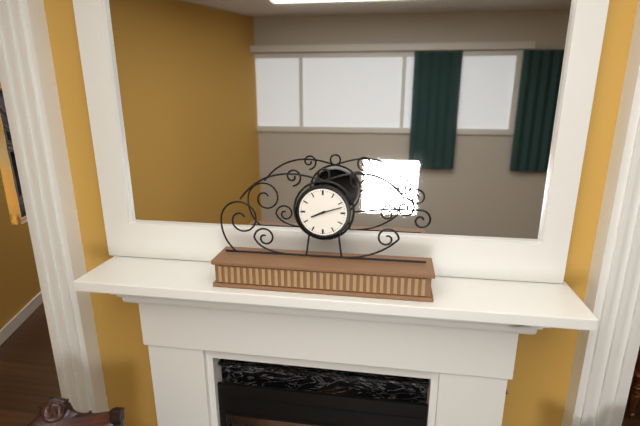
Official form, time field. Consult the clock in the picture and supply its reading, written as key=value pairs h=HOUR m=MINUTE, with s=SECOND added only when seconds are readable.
h=8 m=12
